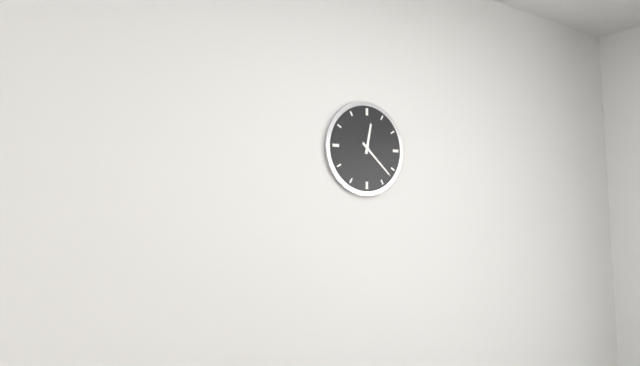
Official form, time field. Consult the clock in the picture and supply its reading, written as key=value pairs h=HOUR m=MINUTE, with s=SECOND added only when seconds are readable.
h=12 m=22
